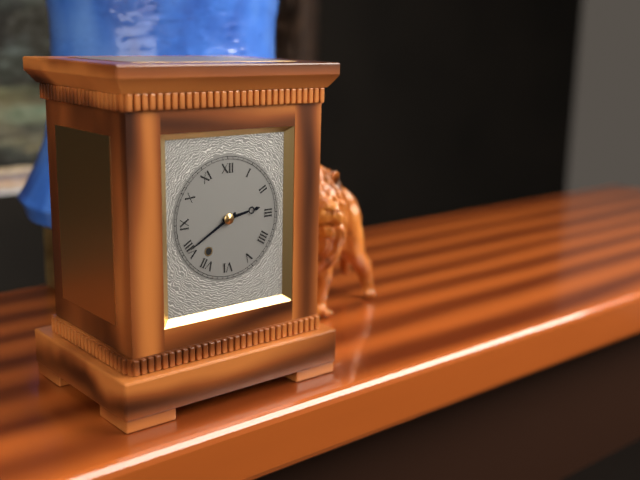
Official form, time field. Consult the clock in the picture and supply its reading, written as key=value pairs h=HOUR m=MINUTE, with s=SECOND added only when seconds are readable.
h=2 m=40
